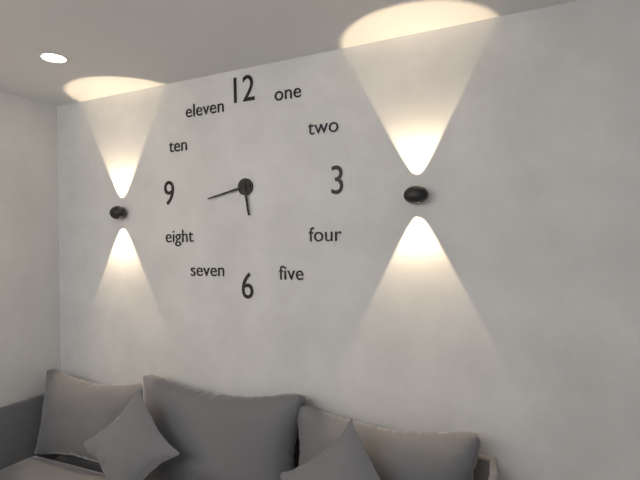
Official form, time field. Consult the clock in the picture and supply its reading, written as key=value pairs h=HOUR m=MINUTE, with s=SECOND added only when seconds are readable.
h=5 m=43
